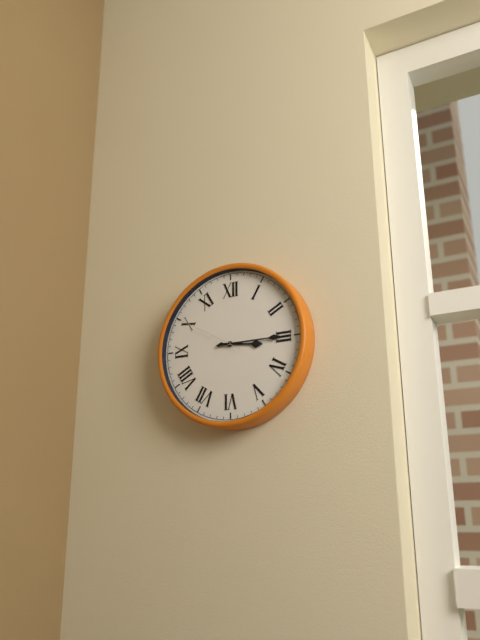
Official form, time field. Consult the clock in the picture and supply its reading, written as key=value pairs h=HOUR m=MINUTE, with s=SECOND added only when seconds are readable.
h=3 m=15 s=50
